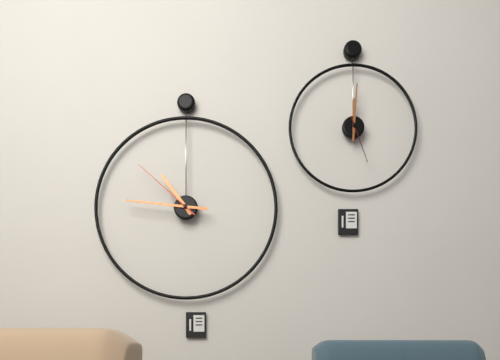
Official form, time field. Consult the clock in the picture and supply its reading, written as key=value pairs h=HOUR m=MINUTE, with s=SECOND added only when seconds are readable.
h=10 m=46 s=52
